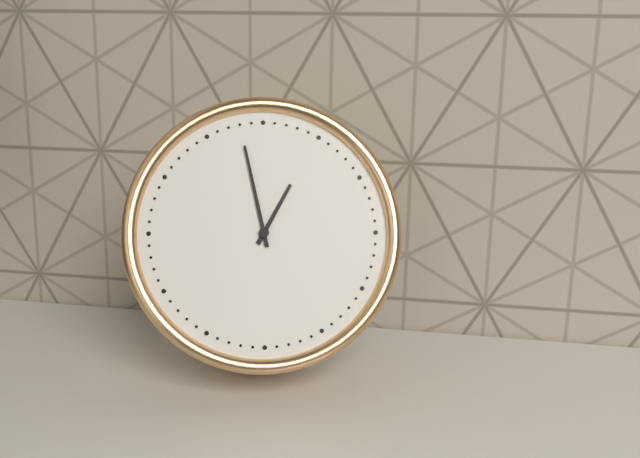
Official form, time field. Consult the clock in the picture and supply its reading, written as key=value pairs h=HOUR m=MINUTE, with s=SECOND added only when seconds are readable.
h=12 m=58
